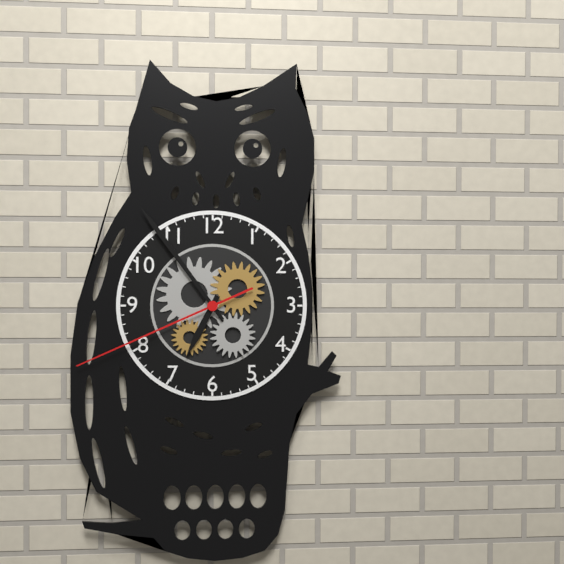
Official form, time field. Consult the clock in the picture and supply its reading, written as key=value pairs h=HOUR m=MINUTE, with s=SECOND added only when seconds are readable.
h=6 m=54 s=41
